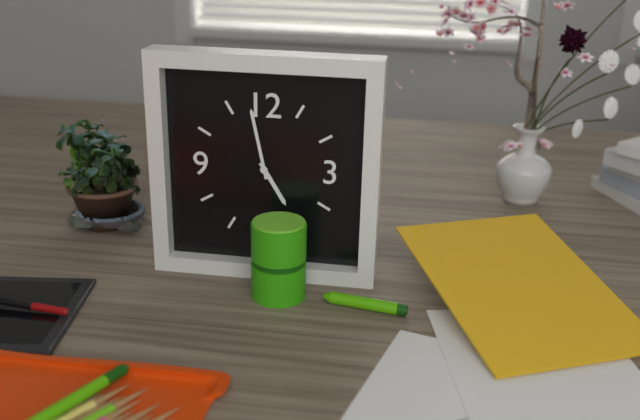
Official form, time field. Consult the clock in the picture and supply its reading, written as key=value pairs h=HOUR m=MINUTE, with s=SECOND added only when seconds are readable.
h=4 m=58
